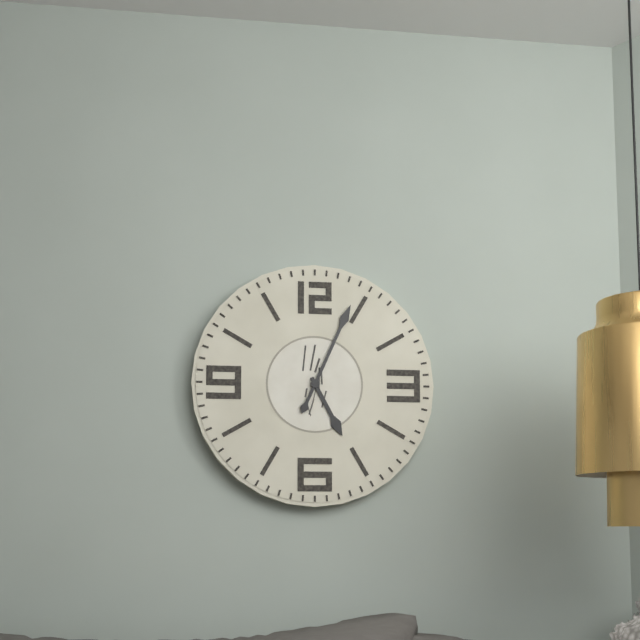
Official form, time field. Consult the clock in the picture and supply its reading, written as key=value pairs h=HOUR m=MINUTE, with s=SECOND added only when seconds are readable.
h=5 m=4
